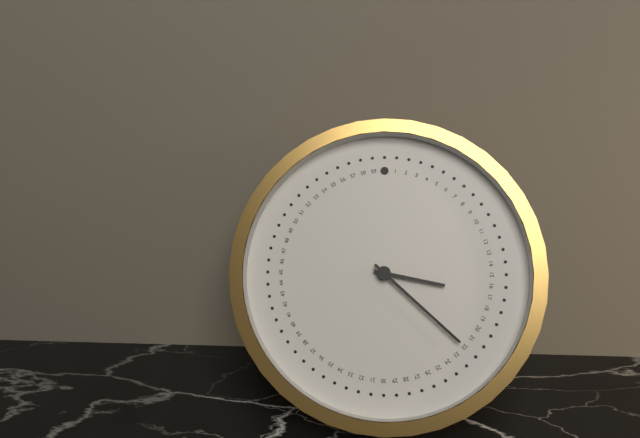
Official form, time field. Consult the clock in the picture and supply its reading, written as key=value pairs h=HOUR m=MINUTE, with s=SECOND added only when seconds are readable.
h=3 m=22
